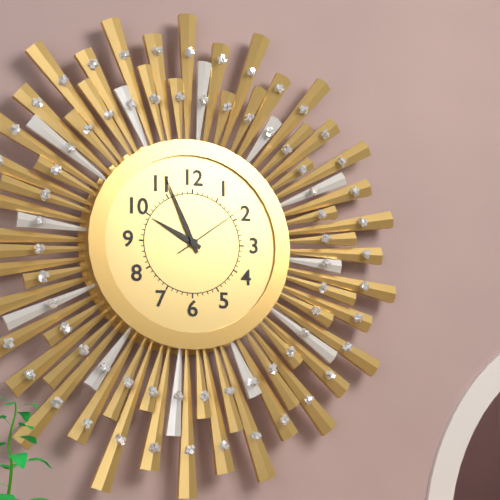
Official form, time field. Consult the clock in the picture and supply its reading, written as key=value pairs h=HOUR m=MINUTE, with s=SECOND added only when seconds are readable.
h=9 m=56 s=9
